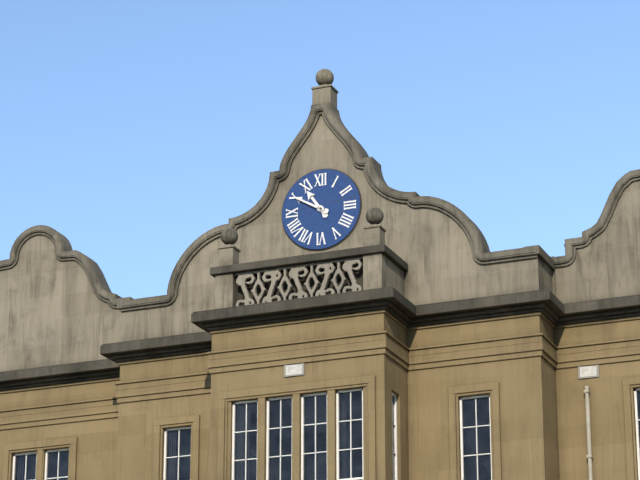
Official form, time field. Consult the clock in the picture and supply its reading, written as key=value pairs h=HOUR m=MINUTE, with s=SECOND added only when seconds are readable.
h=10 m=50
